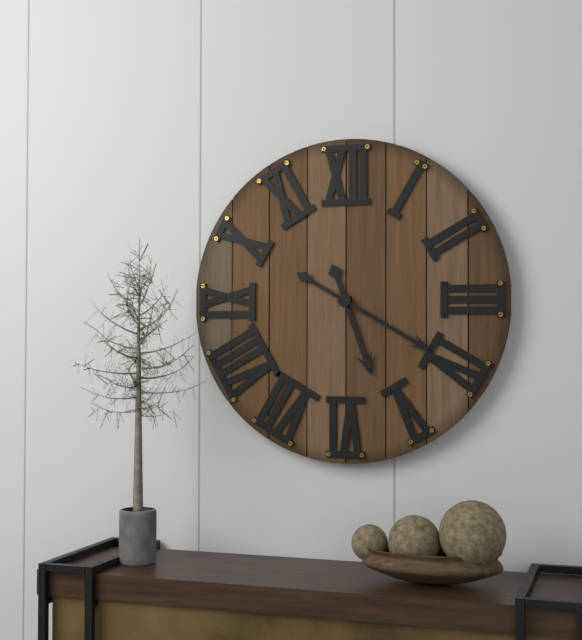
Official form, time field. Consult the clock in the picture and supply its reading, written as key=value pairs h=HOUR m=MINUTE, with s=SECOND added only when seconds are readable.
h=5 m=20
